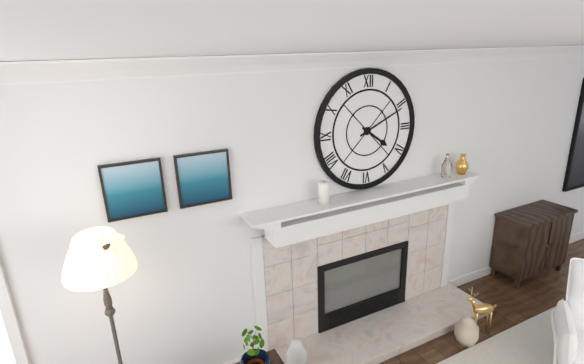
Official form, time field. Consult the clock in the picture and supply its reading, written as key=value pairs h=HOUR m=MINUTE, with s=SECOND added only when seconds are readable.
h=4 m=11
